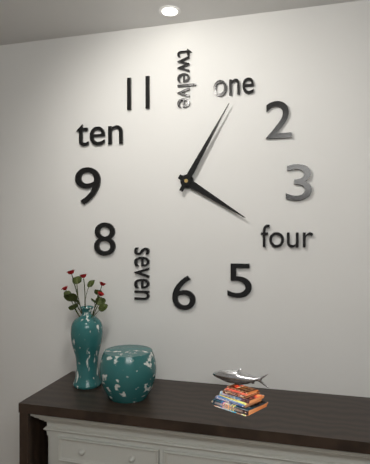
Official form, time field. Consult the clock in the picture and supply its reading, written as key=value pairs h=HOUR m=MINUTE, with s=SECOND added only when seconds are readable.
h=4 m=5
